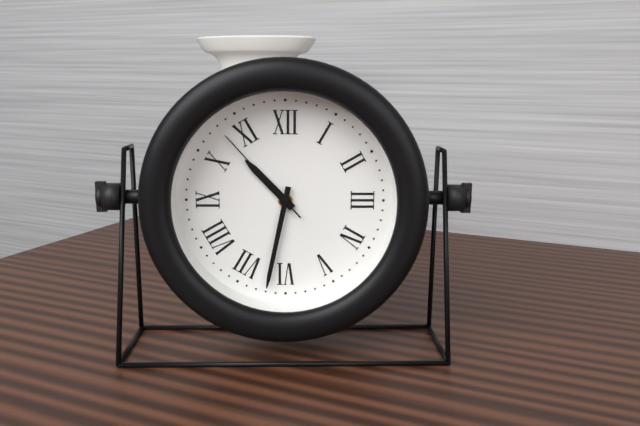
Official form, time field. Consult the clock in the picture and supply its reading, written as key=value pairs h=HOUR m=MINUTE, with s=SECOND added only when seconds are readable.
h=10 m=32 s=53
